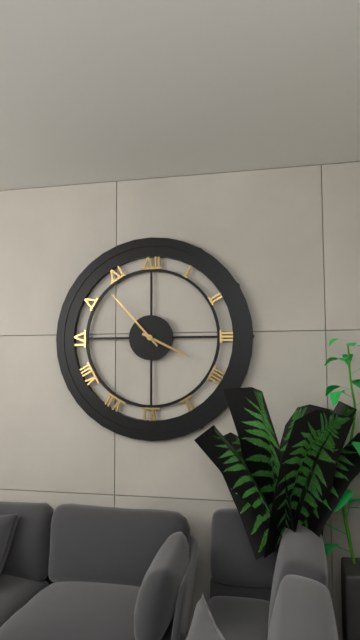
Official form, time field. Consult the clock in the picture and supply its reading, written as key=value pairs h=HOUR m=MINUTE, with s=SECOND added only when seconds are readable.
h=3 m=53
